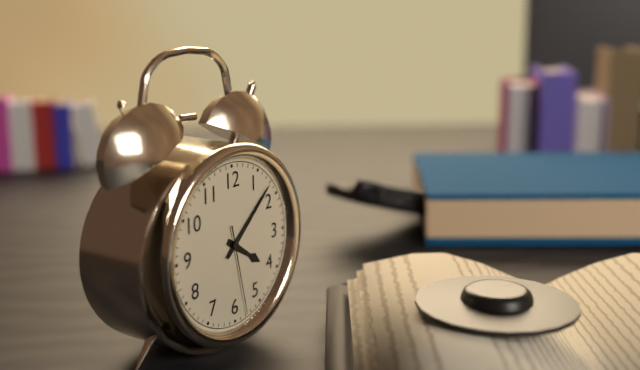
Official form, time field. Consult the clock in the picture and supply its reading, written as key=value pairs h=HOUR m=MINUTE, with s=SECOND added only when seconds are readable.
h=4 m=8 s=28
